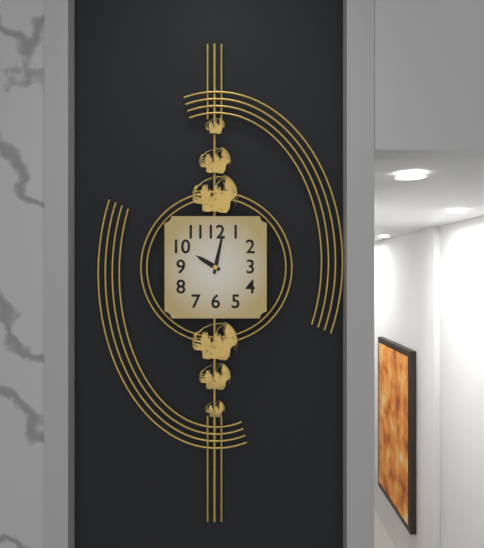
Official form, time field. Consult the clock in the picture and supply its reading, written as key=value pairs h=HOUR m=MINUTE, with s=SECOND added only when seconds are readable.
h=10 m=2
